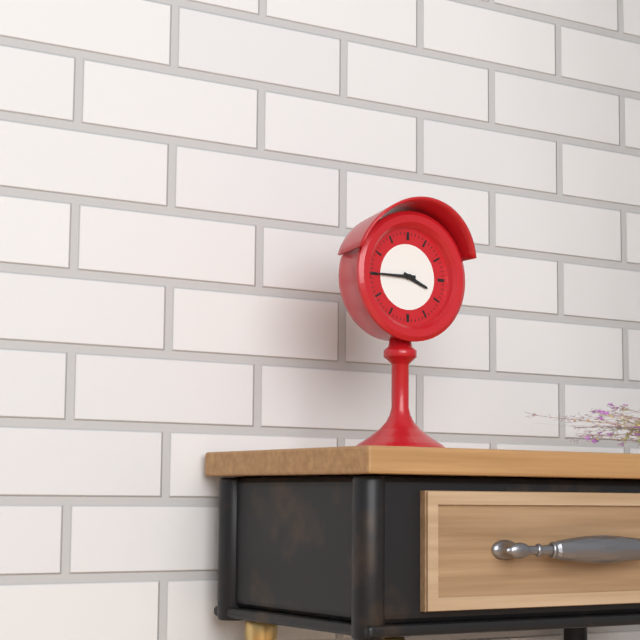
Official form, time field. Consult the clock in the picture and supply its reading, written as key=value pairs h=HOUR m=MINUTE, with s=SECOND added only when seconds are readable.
h=3 m=45
